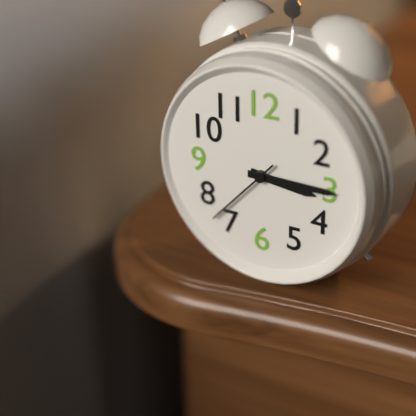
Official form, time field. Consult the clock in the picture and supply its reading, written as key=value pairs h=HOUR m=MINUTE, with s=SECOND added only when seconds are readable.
h=3 m=15 s=37
